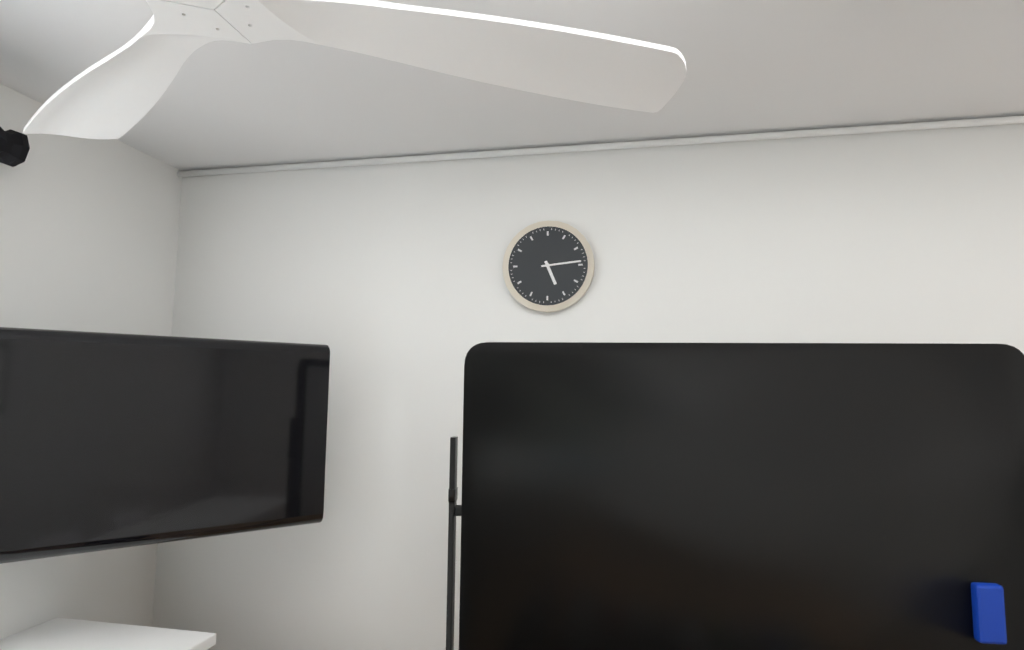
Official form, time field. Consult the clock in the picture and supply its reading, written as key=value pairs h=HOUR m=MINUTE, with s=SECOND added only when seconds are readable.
h=5 m=14
